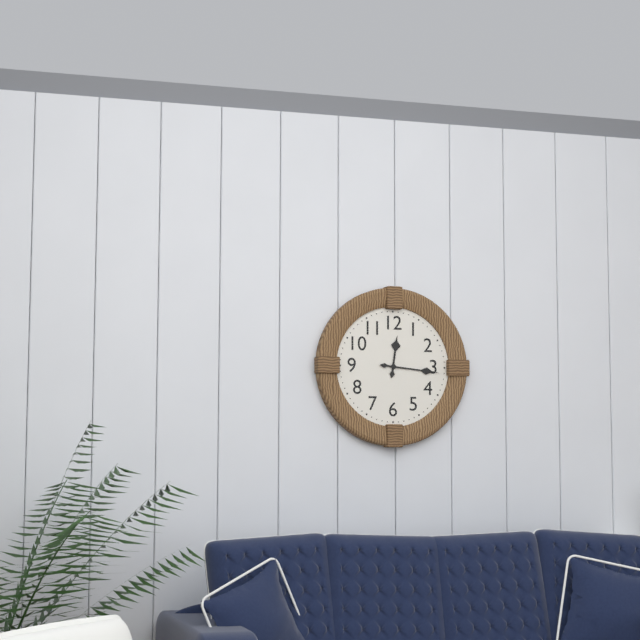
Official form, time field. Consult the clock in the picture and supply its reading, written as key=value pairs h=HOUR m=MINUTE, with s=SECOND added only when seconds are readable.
h=12 m=16
